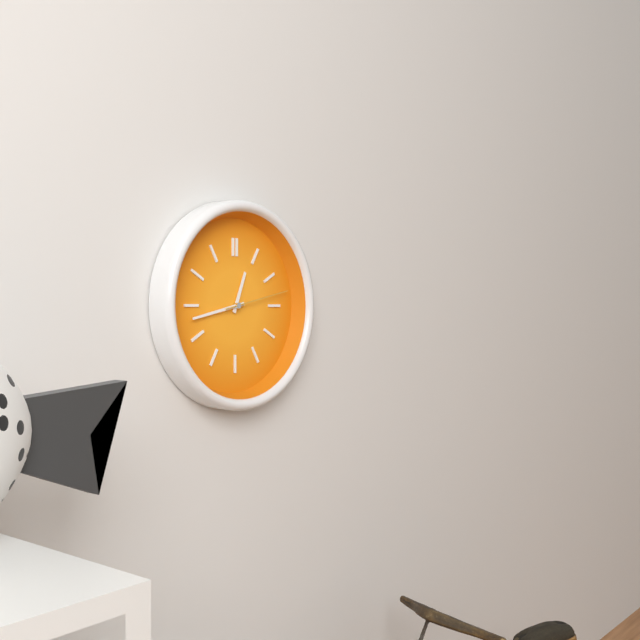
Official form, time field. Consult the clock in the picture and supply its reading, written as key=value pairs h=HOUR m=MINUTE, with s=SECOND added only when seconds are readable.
h=12 m=43 s=13
